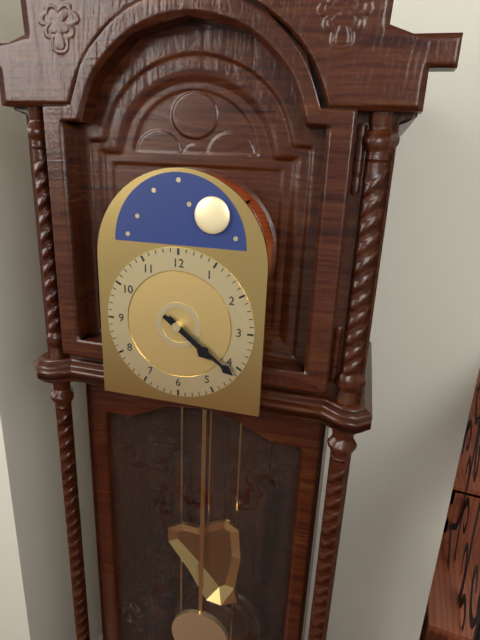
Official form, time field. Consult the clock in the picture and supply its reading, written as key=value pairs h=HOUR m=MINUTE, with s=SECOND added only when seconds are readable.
h=4 m=21
